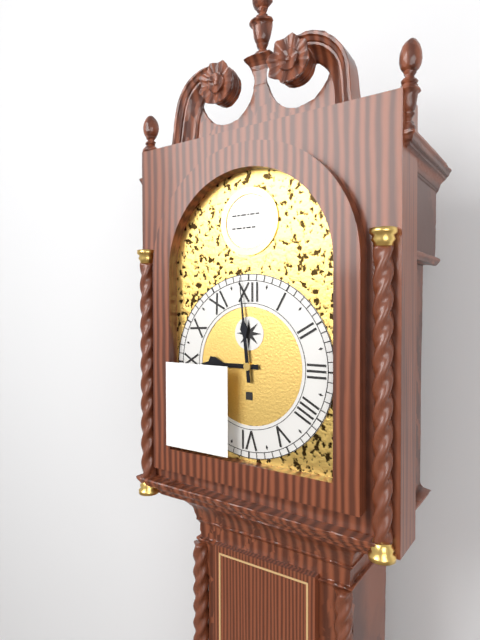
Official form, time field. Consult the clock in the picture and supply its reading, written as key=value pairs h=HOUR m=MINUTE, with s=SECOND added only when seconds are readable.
h=8 m=59
